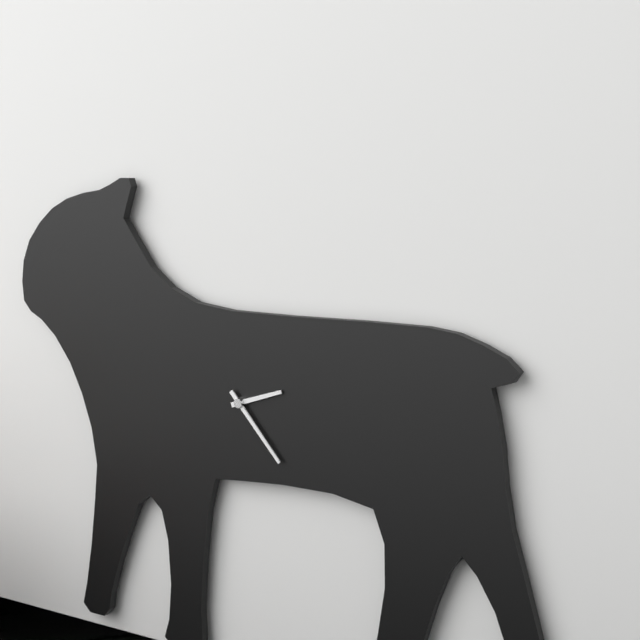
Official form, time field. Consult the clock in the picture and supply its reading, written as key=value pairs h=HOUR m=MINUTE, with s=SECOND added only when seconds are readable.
h=2 m=23
